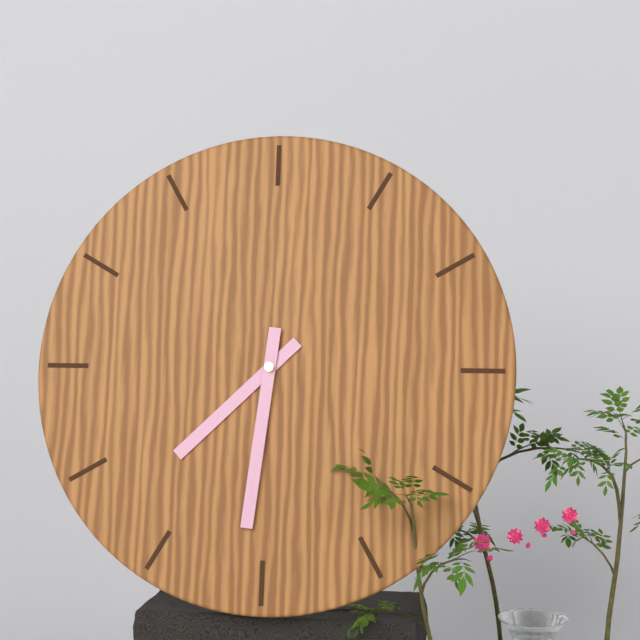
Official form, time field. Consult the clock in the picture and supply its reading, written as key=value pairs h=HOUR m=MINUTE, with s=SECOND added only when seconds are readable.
h=7 m=31
